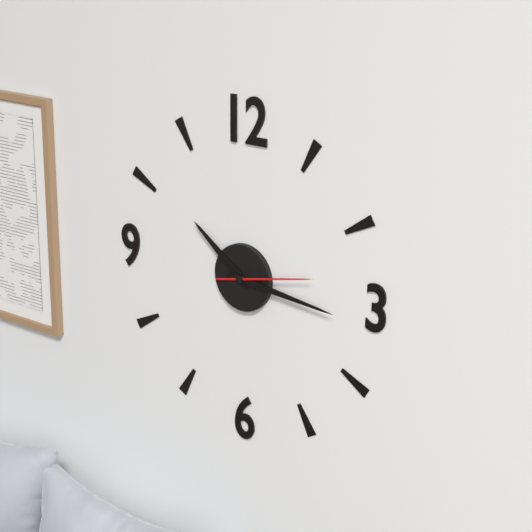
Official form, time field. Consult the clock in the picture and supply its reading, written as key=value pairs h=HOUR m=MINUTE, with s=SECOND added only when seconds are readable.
h=10 m=16 s=13
